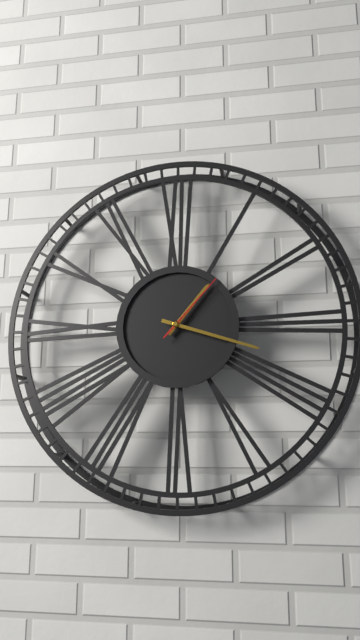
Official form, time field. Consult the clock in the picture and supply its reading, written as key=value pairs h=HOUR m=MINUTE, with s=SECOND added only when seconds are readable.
h=1 m=18 s=7
